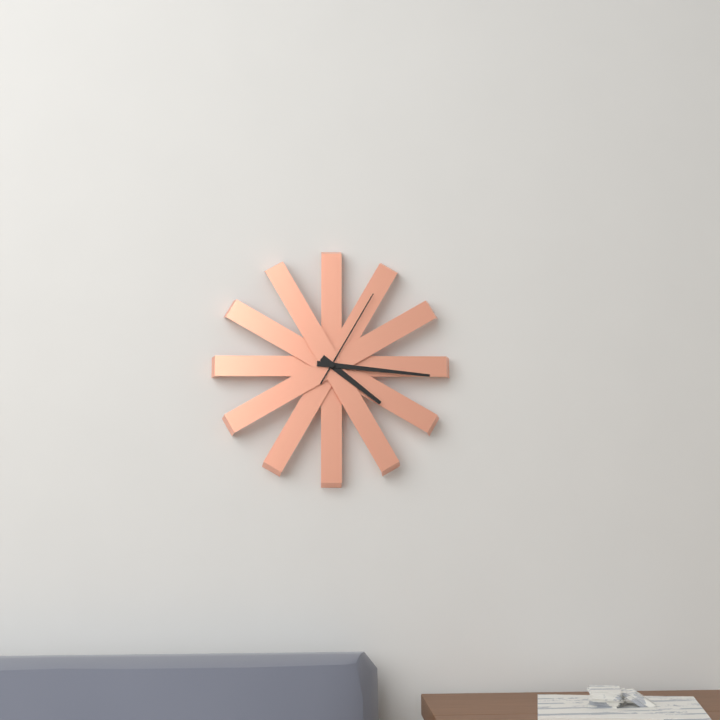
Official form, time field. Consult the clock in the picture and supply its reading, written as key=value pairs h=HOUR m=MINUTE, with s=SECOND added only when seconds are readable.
h=4 m=16 s=5
